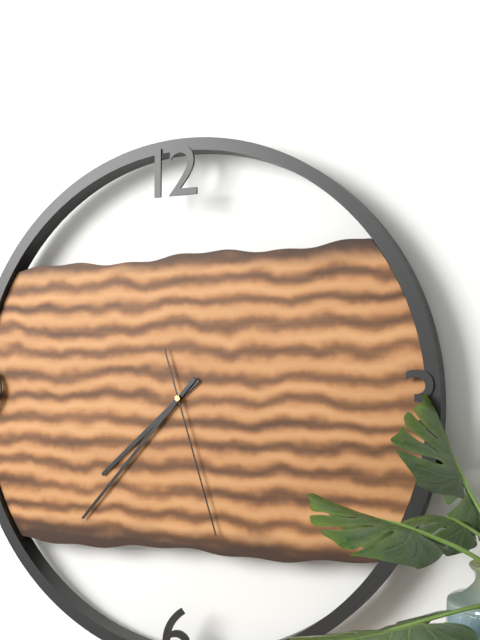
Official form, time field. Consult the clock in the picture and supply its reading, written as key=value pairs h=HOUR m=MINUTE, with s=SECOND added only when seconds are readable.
h=7 m=37 s=27
